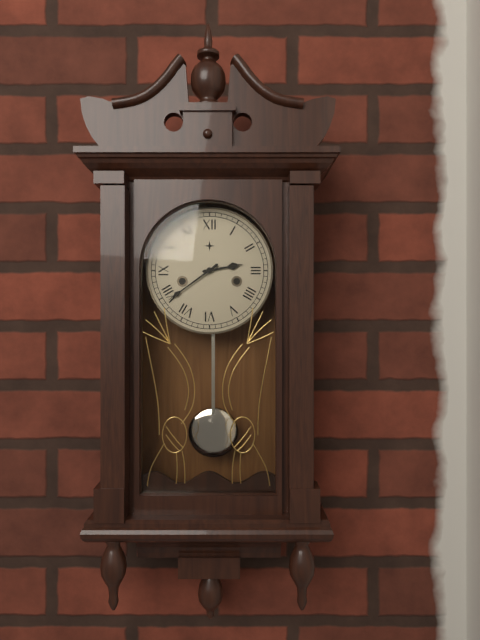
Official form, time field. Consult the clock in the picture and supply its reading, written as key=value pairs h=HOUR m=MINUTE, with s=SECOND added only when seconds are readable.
h=2 m=39
